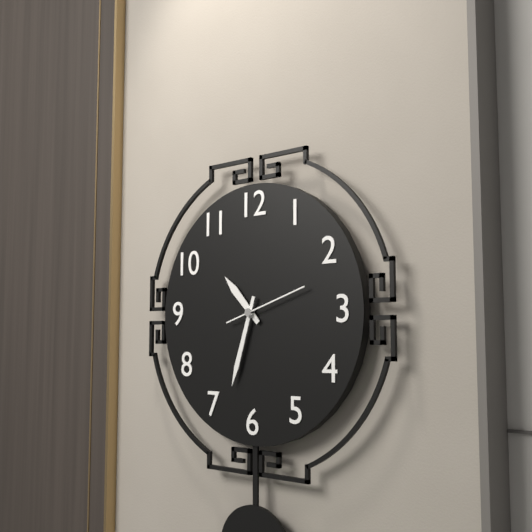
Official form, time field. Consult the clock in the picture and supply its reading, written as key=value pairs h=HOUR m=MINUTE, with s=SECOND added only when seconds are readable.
h=10 m=33 s=12
